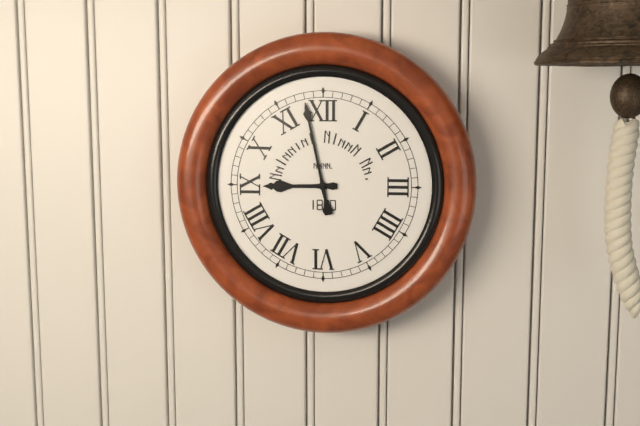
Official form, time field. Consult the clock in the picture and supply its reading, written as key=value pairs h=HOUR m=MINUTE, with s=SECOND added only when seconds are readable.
h=8 m=58
